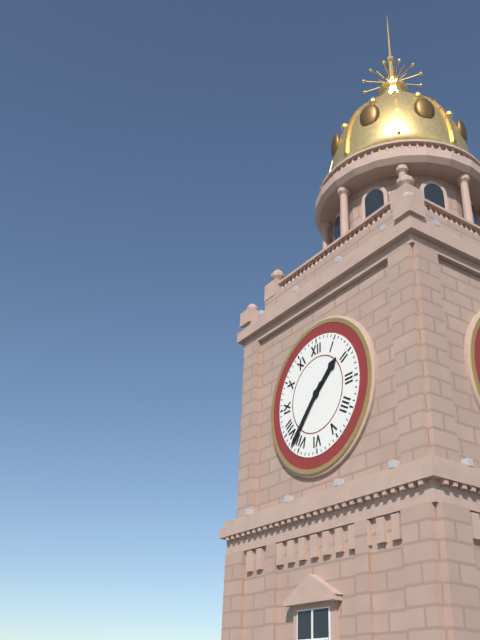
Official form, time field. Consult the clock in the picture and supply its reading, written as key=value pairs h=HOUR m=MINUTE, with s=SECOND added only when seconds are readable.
h=1 m=37
